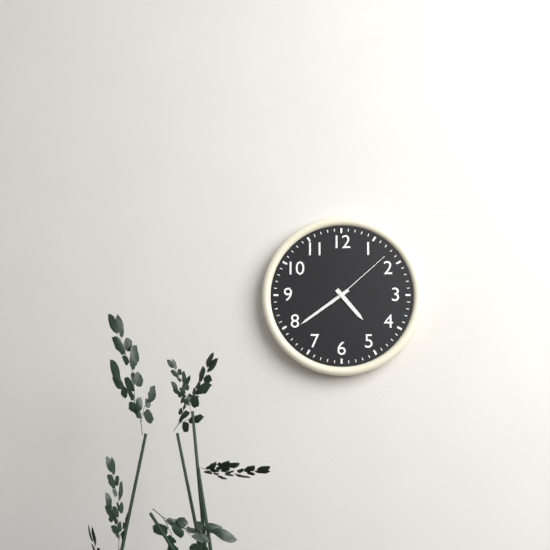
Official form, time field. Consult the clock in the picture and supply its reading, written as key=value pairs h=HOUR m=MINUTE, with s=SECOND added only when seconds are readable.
h=4 m=39 s=8
